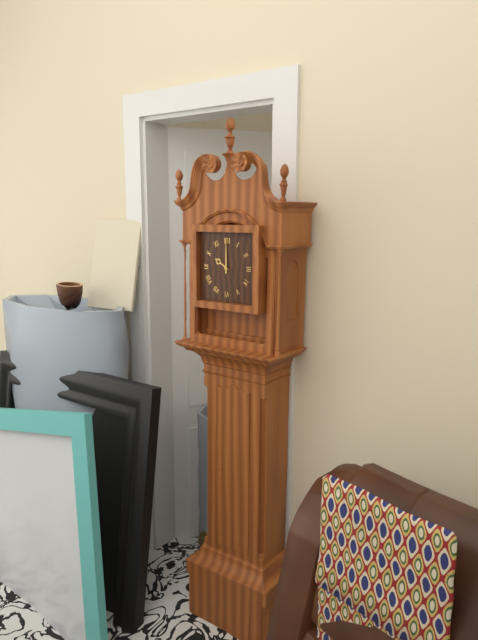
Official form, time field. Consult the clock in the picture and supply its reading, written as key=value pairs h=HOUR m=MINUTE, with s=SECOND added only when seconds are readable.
h=10 m=0
